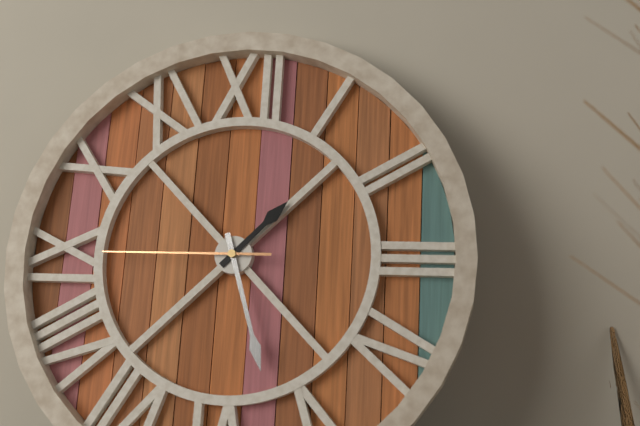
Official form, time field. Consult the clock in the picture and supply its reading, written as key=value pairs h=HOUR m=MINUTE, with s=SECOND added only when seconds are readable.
h=1 m=27 s=45
